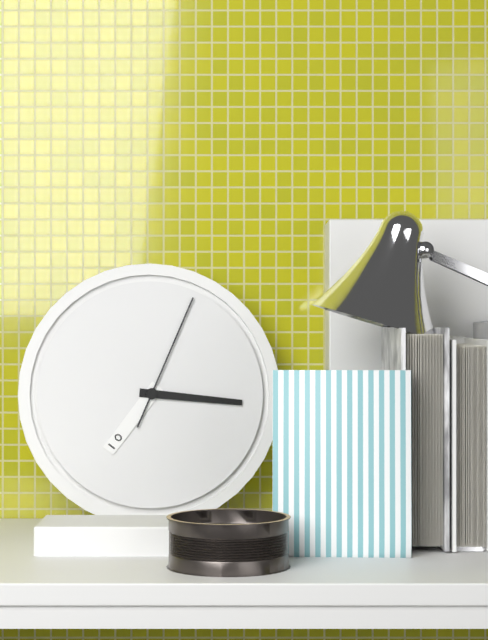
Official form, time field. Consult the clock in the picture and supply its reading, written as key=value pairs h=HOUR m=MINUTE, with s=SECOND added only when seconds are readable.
h=7 m=16 s=4
